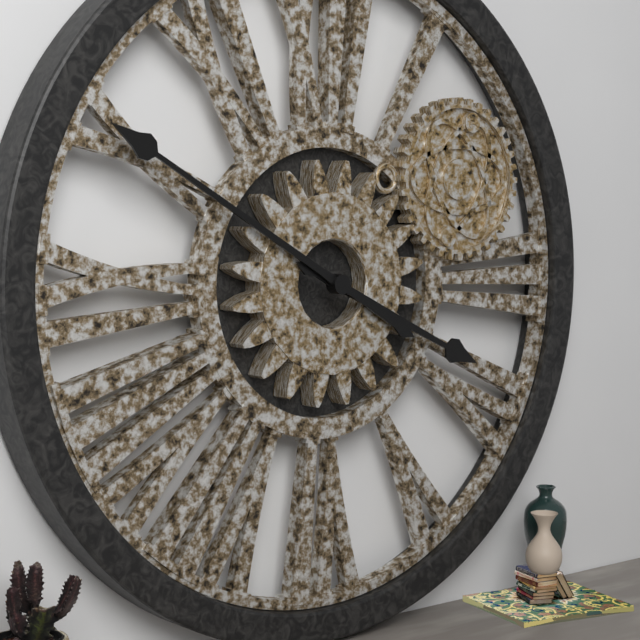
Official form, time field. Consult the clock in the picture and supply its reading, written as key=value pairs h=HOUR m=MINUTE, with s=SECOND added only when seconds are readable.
h=3 m=50
